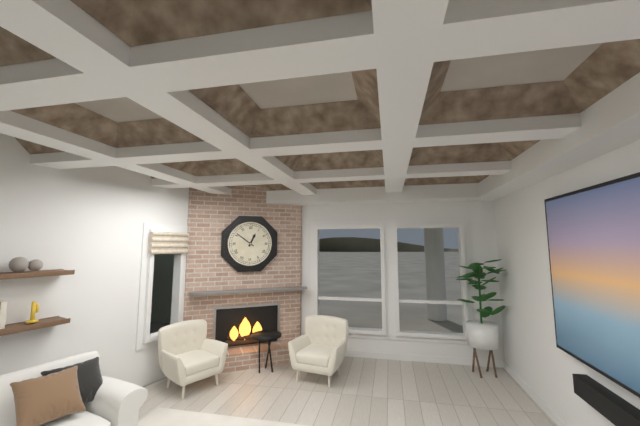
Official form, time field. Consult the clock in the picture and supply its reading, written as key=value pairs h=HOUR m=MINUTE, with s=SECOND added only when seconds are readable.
h=12 m=51
